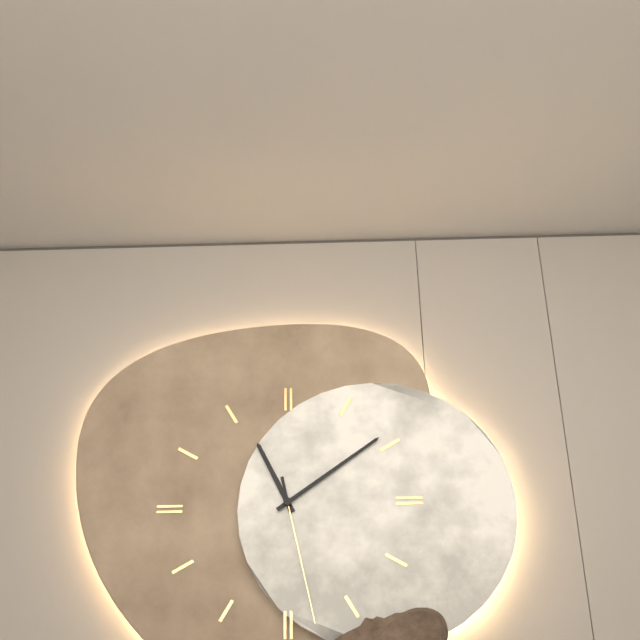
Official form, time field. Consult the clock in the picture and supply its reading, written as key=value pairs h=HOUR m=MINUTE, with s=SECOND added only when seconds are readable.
h=11 m=9 s=28
